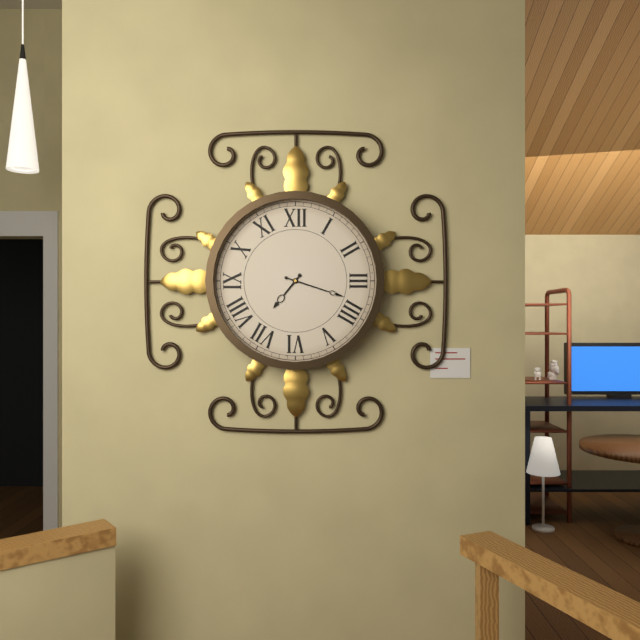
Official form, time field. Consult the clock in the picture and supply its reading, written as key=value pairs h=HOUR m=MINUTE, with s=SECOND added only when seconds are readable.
h=7 m=18
